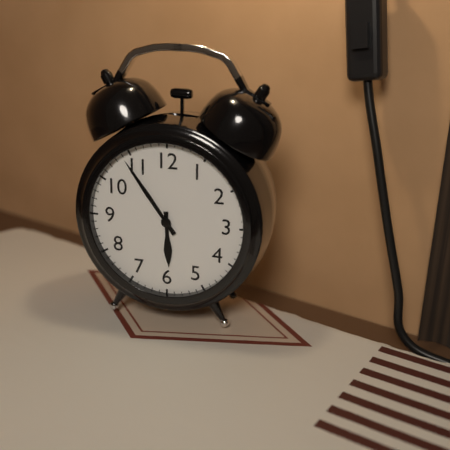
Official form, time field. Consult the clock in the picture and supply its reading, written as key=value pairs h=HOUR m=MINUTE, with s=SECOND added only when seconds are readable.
h=5 m=54
